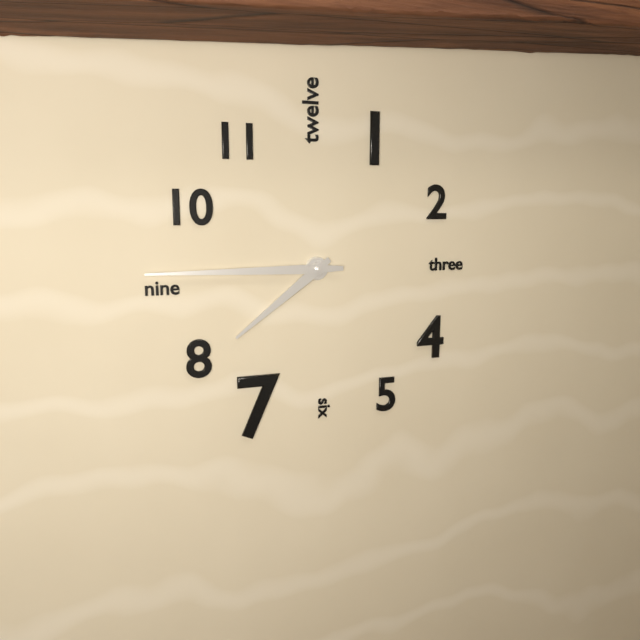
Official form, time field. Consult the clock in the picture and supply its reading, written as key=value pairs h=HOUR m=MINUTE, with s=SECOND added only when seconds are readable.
h=7 m=45
